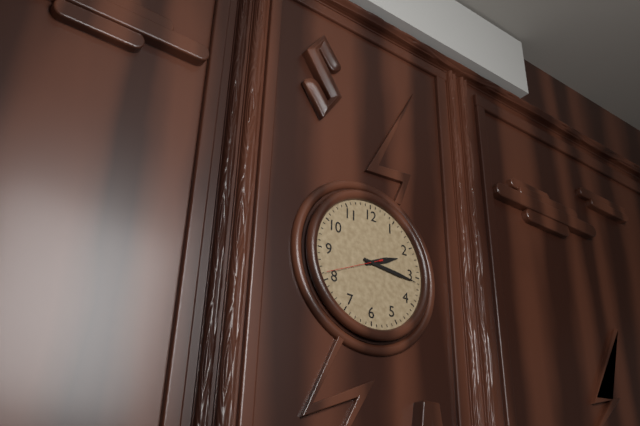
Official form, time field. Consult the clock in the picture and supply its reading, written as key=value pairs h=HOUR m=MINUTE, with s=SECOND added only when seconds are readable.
h=2 m=16 s=41
